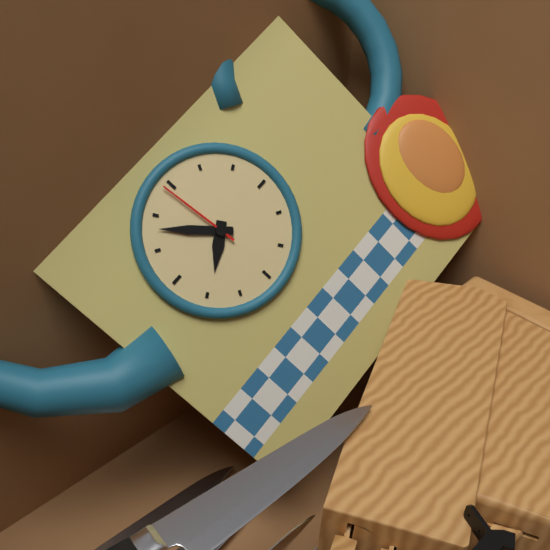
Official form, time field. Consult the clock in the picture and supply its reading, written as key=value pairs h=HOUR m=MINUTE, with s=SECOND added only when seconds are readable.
h=7 m=53 s=59
